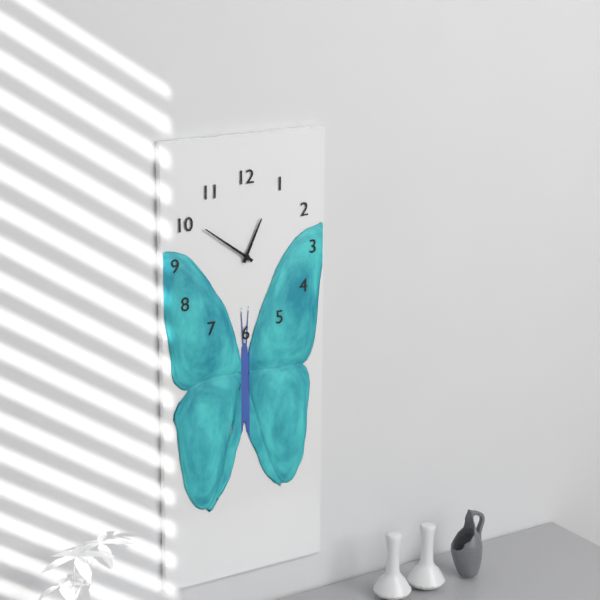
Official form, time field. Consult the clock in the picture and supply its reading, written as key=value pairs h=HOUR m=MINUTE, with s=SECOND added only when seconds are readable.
h=12 m=51
